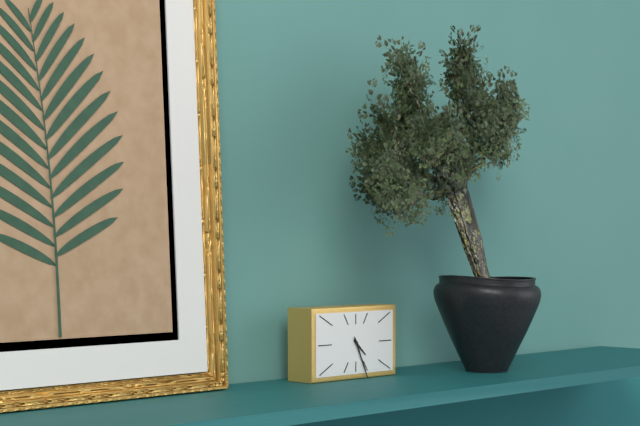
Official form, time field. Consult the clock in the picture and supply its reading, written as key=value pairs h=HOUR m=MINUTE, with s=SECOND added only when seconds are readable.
h=4 m=26
